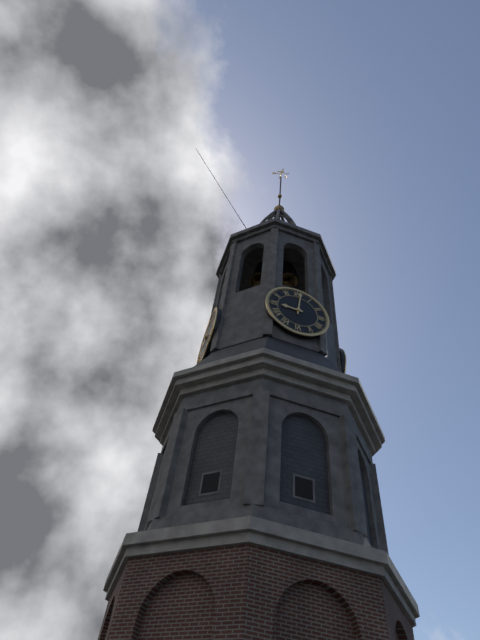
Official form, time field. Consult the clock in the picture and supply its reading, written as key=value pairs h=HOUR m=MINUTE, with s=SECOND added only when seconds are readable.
h=9 m=1
